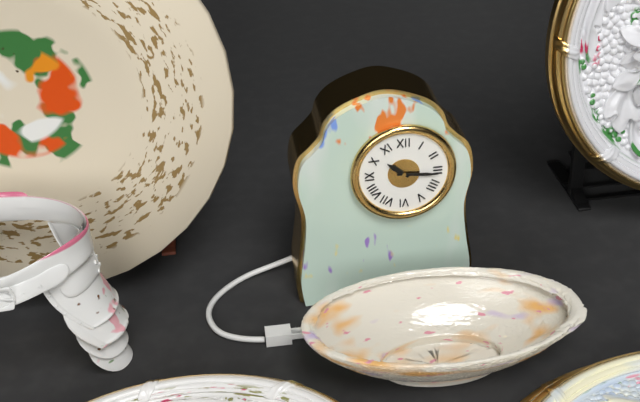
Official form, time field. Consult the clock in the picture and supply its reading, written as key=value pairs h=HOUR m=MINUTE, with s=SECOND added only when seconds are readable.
h=10 m=16
